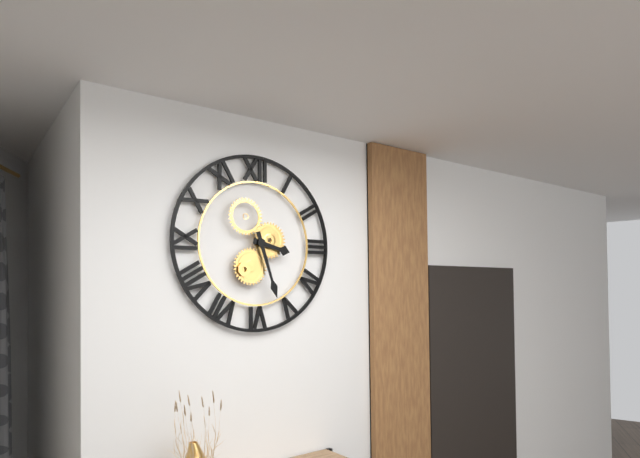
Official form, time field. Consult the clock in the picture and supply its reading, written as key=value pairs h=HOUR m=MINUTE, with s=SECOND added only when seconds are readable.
h=3 m=27
